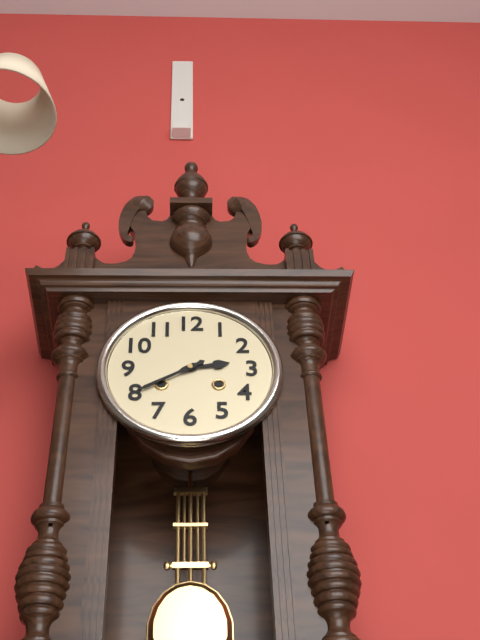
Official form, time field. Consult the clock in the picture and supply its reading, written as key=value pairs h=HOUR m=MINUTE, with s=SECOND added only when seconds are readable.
h=2 m=40
